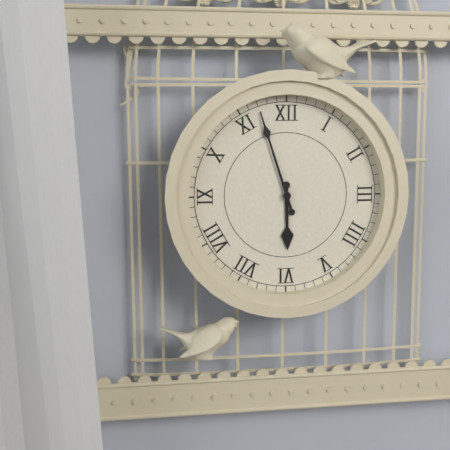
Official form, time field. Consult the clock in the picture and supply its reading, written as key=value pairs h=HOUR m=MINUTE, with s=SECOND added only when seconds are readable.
h=5 m=57
